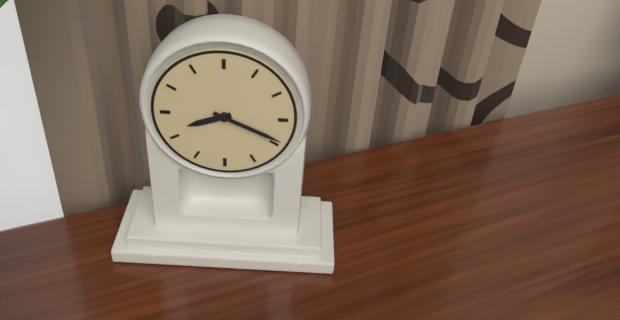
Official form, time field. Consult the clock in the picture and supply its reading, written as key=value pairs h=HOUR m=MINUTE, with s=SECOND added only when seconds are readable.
h=8 m=19
